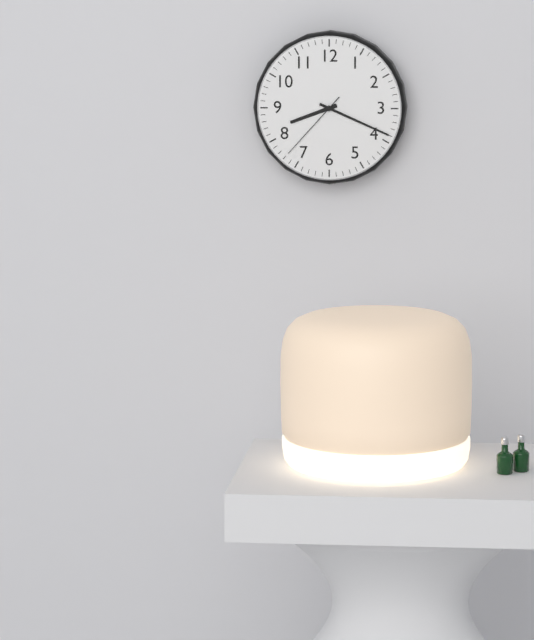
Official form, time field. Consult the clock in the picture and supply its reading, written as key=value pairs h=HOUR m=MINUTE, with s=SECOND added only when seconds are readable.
h=8 m=19 s=37
